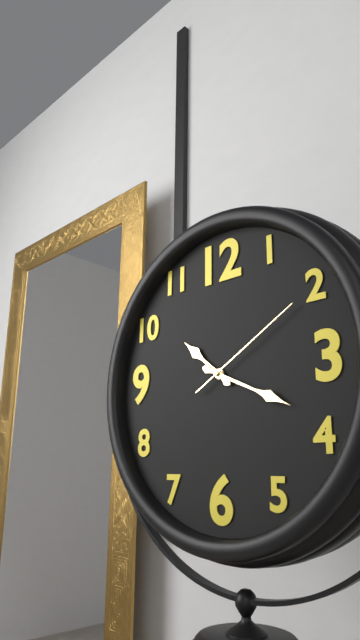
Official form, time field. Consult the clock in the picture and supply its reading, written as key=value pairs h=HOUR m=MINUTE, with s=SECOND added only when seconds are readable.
h=10 m=19 s=10
